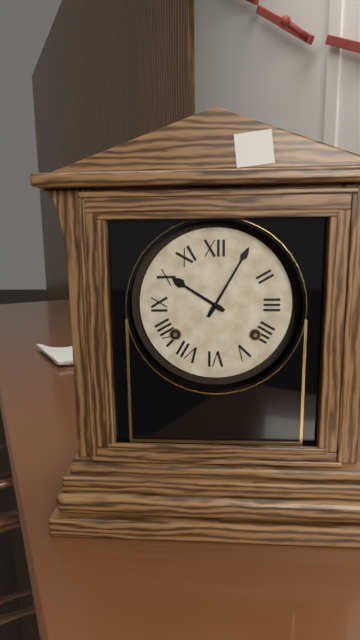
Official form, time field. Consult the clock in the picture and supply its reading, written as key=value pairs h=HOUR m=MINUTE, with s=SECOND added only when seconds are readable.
h=10 m=5
